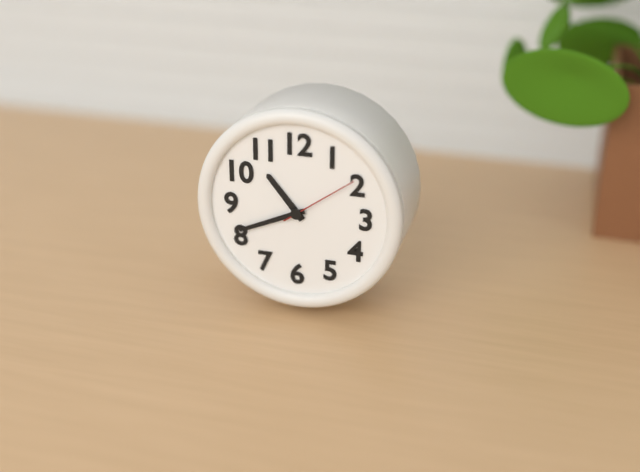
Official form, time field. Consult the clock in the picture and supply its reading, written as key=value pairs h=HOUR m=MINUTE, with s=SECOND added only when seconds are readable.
h=10 m=41 s=9
